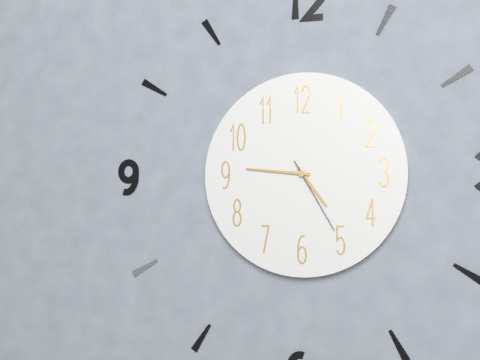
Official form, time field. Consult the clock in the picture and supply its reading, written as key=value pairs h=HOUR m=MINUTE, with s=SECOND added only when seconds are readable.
h=4 m=46 s=25
